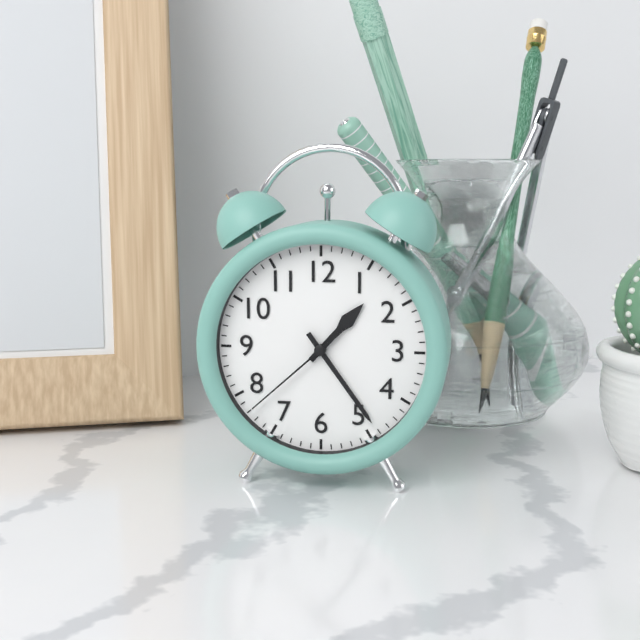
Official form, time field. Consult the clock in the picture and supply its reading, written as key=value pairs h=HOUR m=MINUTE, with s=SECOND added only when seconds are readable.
h=1 m=24 s=38
